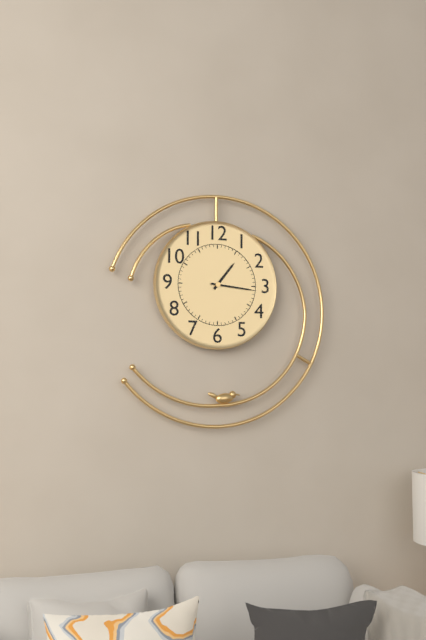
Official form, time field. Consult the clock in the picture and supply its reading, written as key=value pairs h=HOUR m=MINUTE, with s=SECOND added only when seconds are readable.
h=1 m=16
